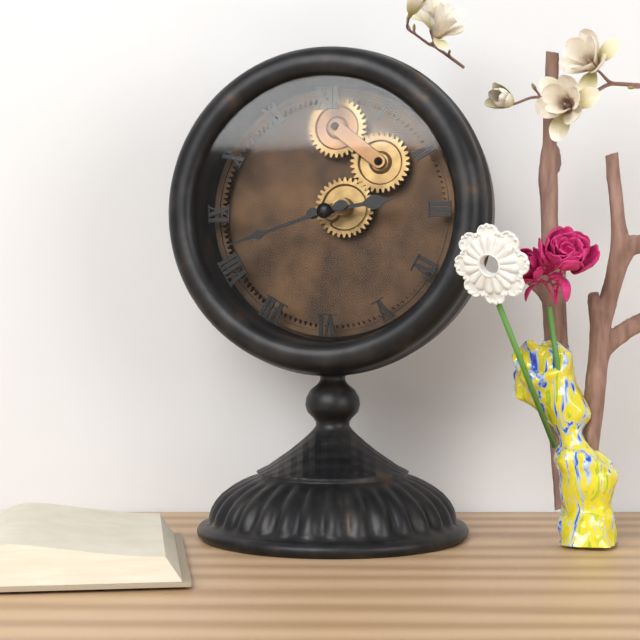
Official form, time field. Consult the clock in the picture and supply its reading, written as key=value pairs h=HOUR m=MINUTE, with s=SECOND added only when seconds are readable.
h=2 m=42
